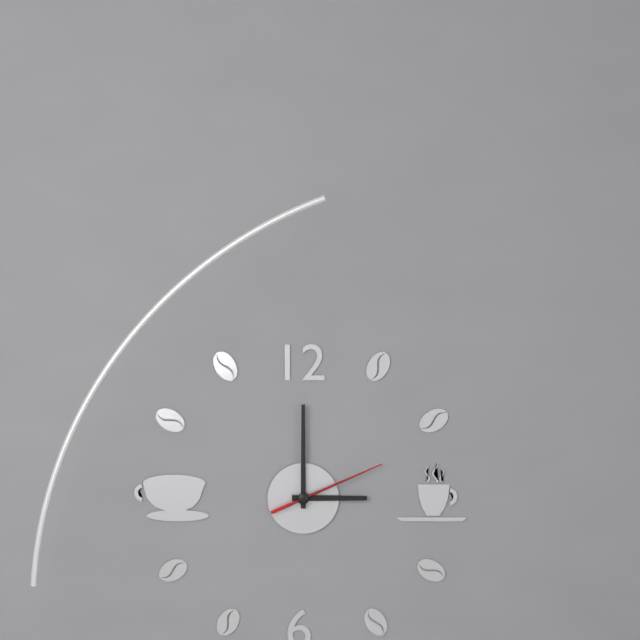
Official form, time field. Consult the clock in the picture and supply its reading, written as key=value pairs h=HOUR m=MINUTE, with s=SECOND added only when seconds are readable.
h=3 m=0 s=11
